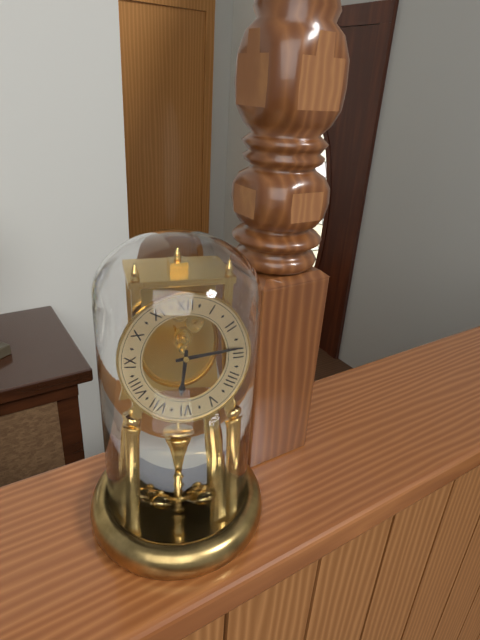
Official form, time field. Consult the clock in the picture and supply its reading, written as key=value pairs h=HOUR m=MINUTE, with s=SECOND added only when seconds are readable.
h=6 m=14
